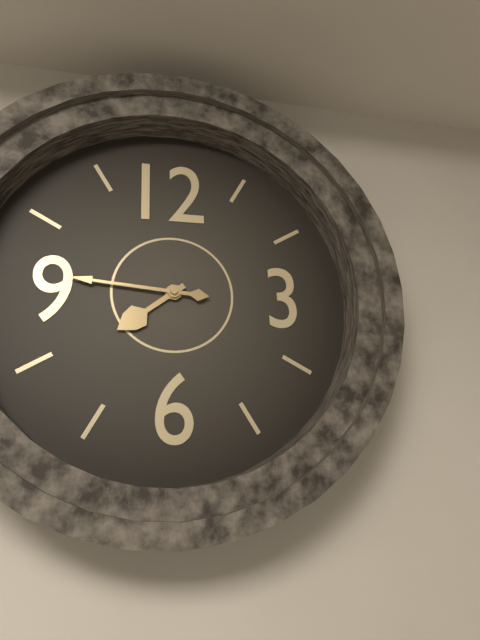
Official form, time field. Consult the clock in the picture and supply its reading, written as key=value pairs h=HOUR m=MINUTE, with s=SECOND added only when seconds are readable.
h=7 m=46
